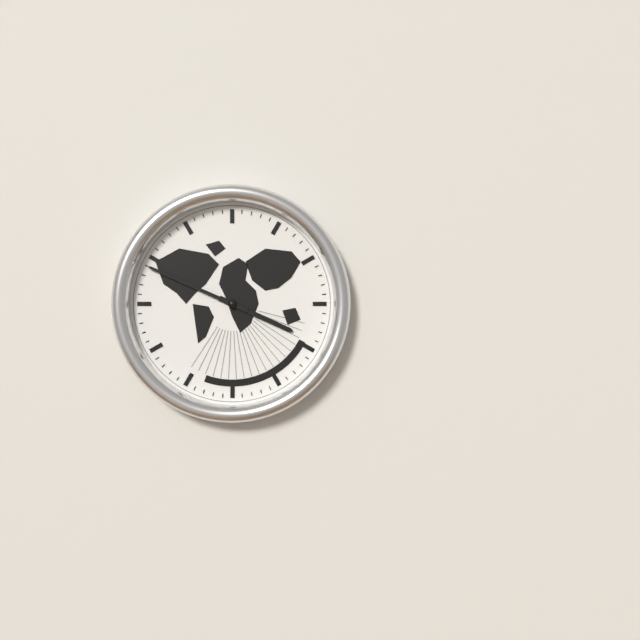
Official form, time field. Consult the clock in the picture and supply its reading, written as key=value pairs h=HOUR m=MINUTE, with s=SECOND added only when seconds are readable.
h=3 m=49
